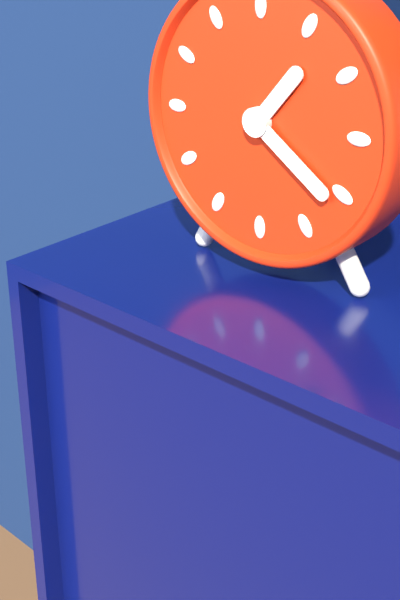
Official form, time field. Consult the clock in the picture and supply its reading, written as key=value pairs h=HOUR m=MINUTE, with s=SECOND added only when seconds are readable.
h=1 m=21
